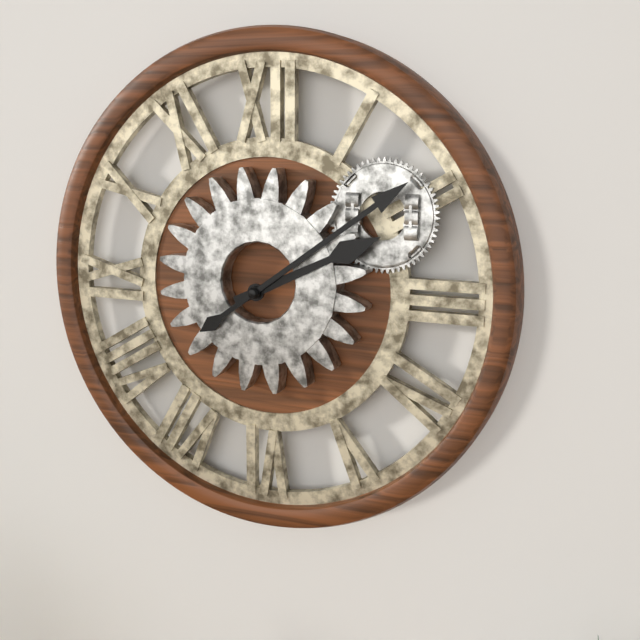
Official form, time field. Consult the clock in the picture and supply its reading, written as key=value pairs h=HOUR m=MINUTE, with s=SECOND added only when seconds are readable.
h=2 m=9
